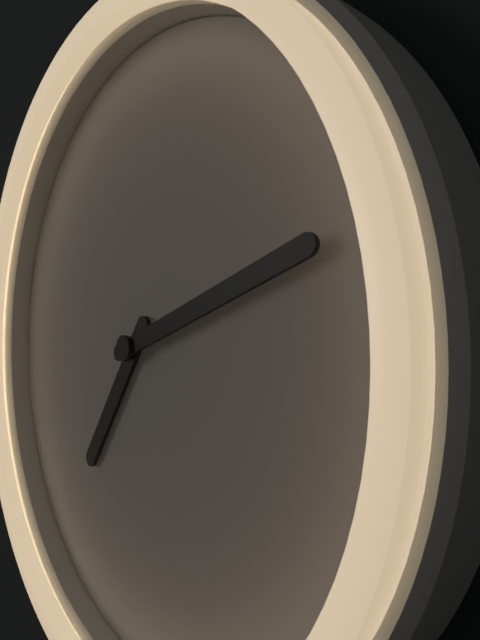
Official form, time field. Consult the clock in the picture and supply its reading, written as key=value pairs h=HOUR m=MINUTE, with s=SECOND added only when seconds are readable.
h=7 m=12
